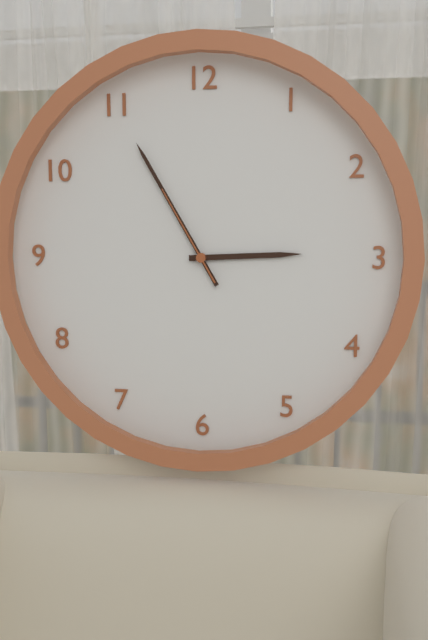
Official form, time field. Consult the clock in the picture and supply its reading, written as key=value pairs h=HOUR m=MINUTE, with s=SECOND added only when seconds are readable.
h=2 m=55 s=55
